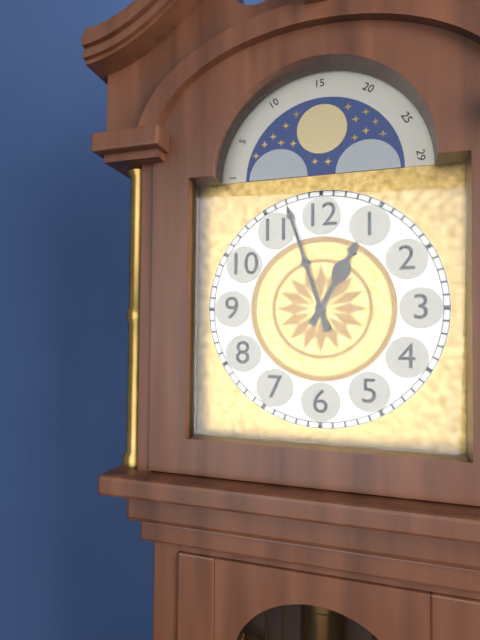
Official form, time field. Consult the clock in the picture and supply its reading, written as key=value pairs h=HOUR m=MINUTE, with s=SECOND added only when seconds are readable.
h=12 m=57
